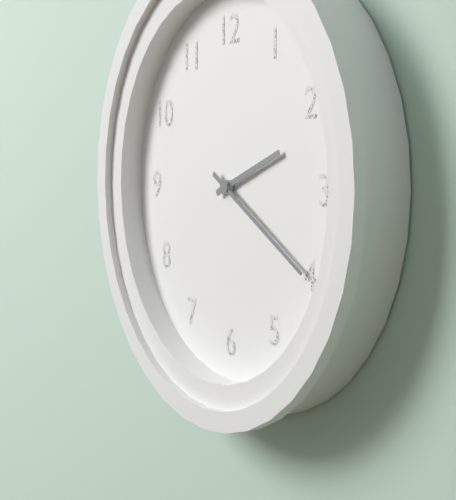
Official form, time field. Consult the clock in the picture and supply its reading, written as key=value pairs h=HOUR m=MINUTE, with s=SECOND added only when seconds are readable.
h=2 m=20
